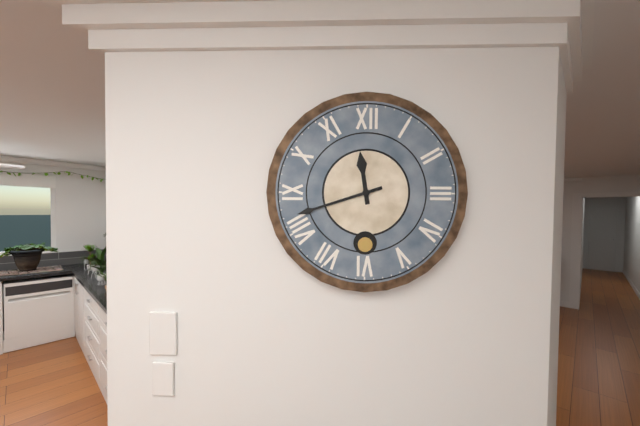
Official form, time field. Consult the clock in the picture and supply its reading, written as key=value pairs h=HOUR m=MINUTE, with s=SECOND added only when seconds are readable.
h=11 m=42
